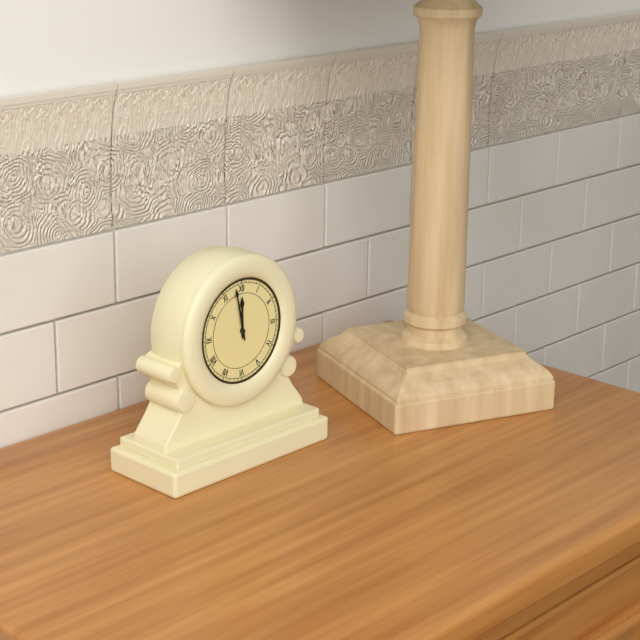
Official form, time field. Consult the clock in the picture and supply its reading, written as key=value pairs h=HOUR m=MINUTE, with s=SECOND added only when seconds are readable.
h=11 m=58
